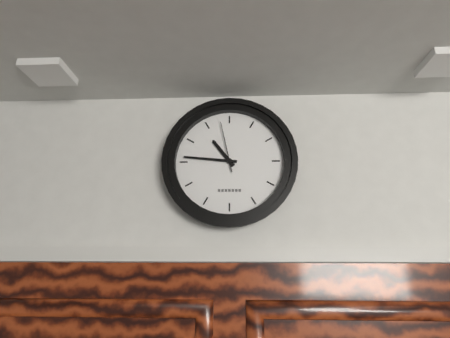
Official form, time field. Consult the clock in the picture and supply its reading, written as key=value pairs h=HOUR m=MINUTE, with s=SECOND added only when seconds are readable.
h=10 m=46
